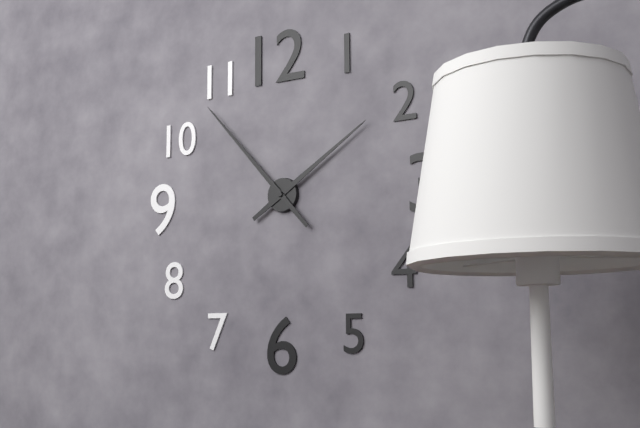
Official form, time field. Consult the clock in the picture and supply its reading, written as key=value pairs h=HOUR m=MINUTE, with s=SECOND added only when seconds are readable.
h=1 m=53
